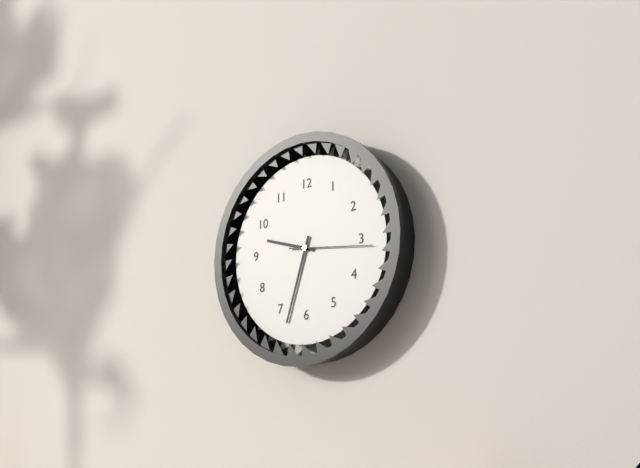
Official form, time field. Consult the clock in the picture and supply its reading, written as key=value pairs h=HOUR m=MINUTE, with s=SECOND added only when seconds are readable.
h=9 m=33 s=16
